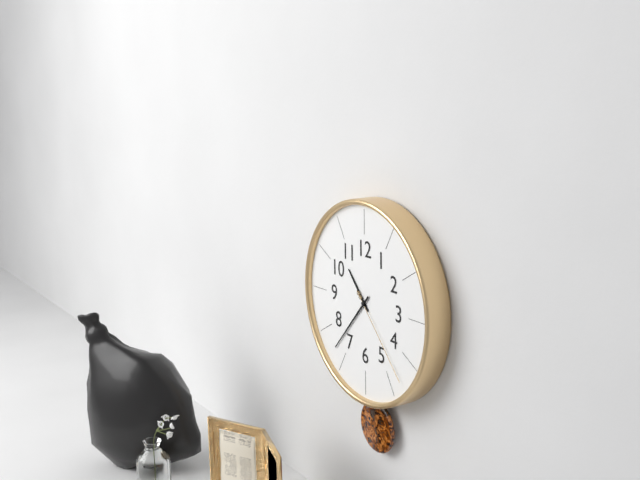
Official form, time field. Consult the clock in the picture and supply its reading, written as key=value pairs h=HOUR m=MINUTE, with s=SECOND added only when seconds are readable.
h=10 m=37 s=23
